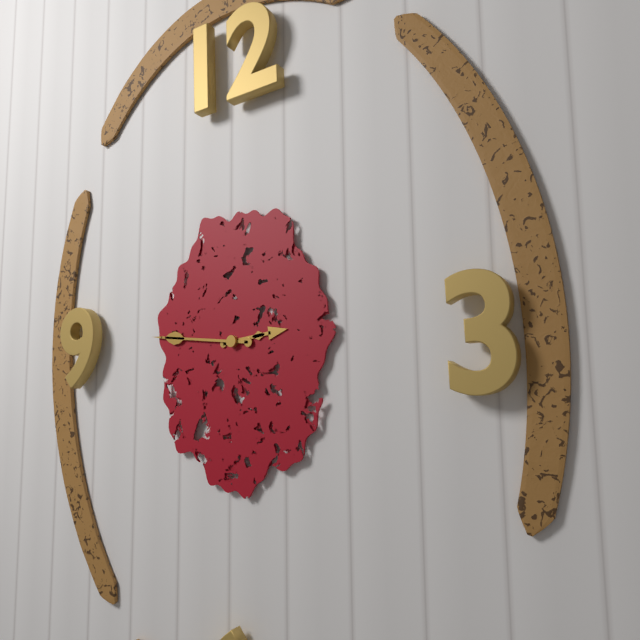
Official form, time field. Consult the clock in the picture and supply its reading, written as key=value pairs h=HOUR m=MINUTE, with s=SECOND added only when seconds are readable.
h=2 m=46
